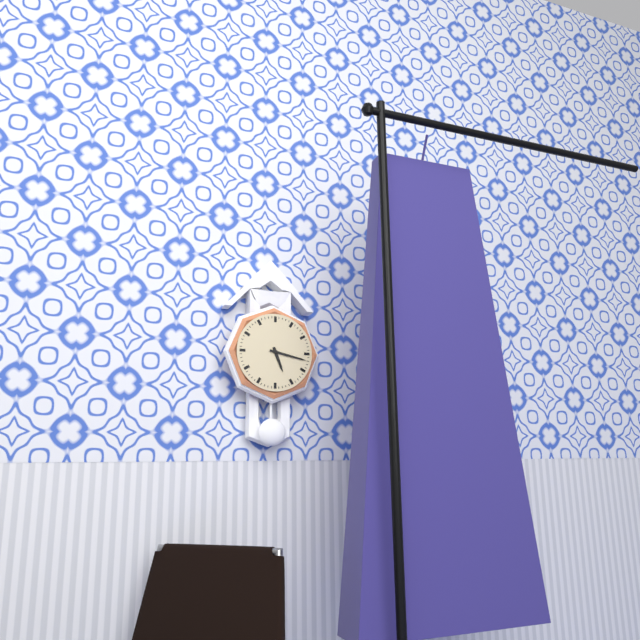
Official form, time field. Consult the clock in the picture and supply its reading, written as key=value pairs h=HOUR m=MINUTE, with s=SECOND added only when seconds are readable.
h=5 m=17
